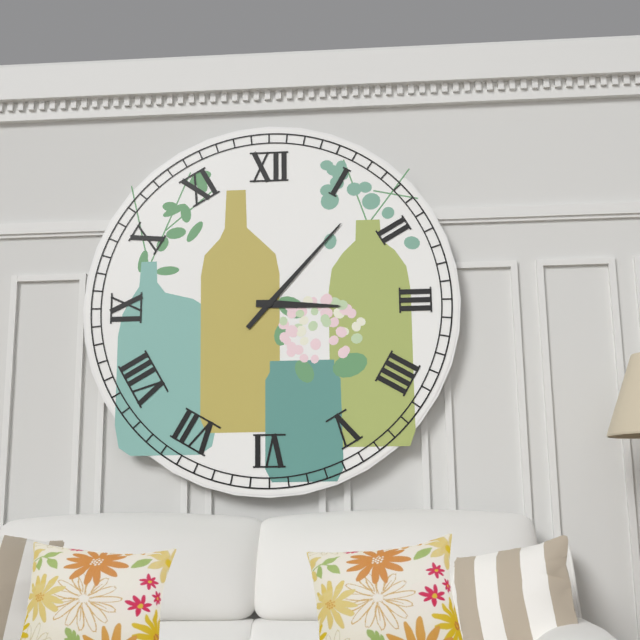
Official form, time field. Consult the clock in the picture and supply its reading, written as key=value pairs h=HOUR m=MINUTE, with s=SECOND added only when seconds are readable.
h=3 m=7
